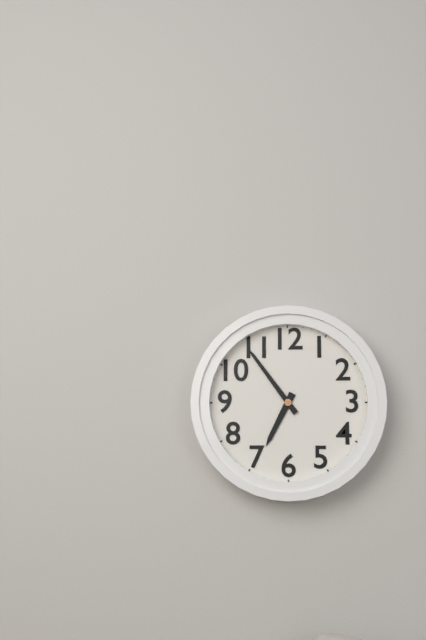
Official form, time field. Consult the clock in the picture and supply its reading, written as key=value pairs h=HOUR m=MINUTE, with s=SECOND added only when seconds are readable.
h=6 m=54
